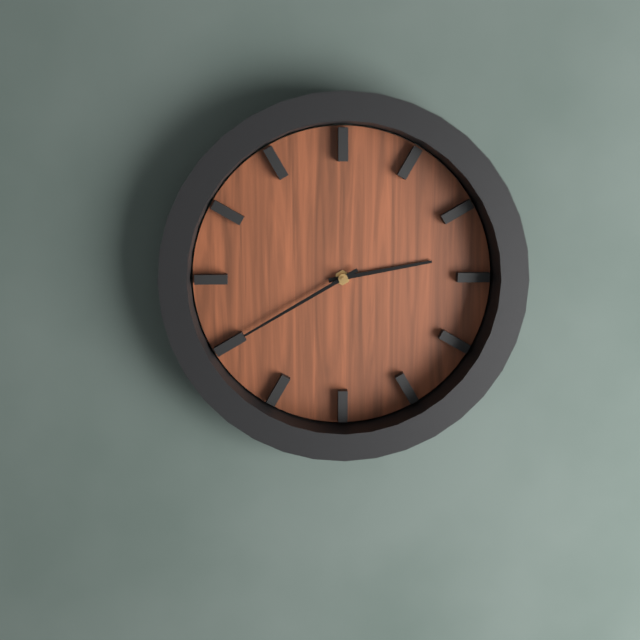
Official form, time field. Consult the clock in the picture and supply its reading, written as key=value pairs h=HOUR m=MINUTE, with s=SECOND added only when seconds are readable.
h=2 m=40
